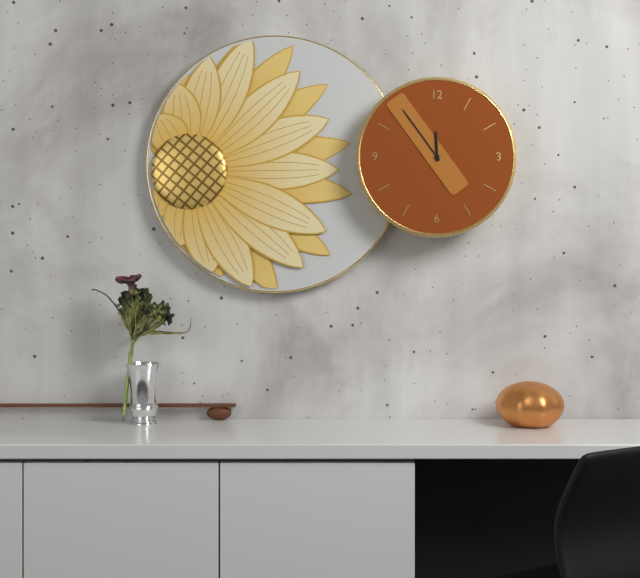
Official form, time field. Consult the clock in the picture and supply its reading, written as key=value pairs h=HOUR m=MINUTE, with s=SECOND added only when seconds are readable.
h=11 m=54
